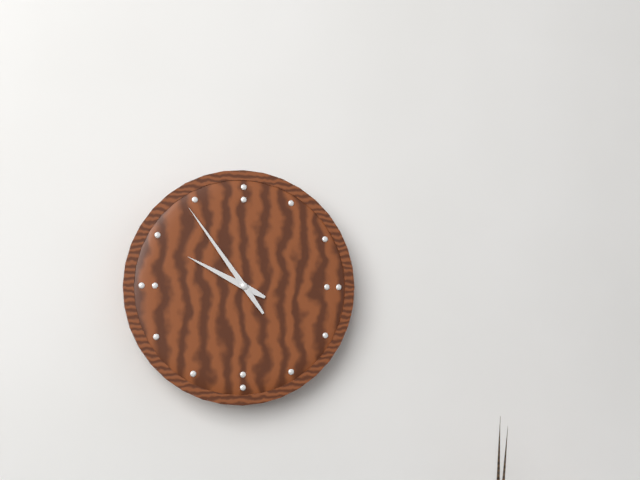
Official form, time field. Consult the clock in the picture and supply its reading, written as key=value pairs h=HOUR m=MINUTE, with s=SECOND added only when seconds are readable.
h=9 m=54
